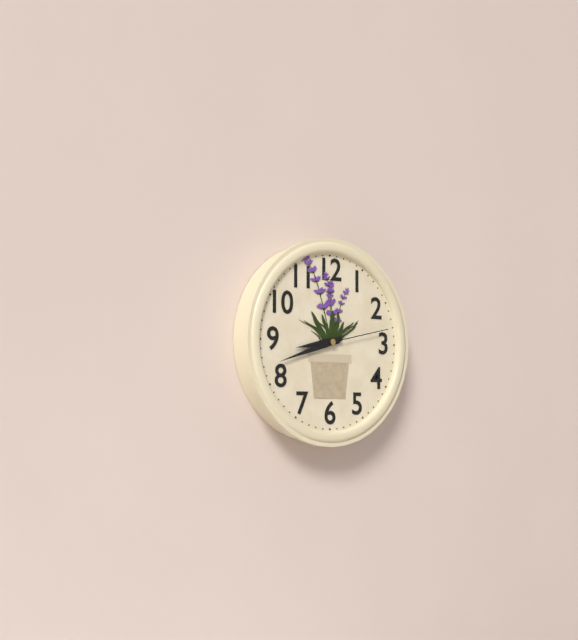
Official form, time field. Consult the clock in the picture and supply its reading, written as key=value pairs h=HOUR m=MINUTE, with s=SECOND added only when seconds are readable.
h=8 m=42 s=13
